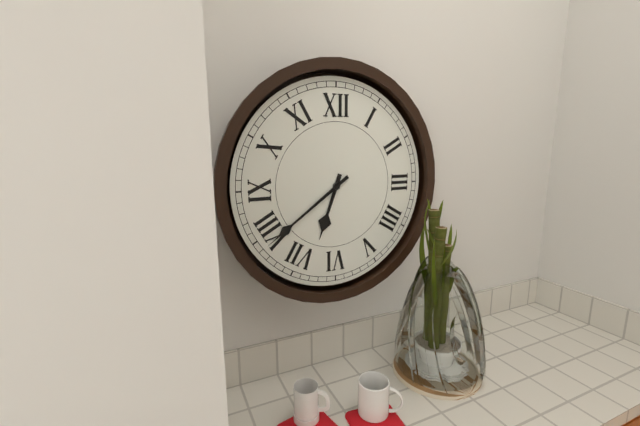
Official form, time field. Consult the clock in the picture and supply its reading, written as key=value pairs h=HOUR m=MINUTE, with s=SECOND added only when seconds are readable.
h=6 m=39
